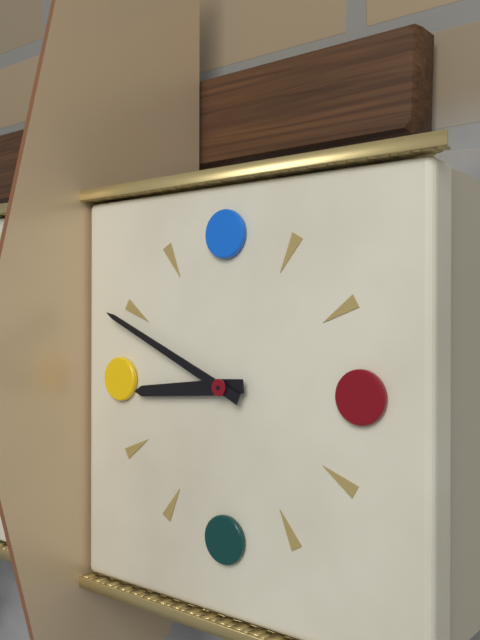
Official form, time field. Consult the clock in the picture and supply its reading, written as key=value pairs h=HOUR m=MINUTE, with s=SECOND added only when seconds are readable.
h=8 m=49
